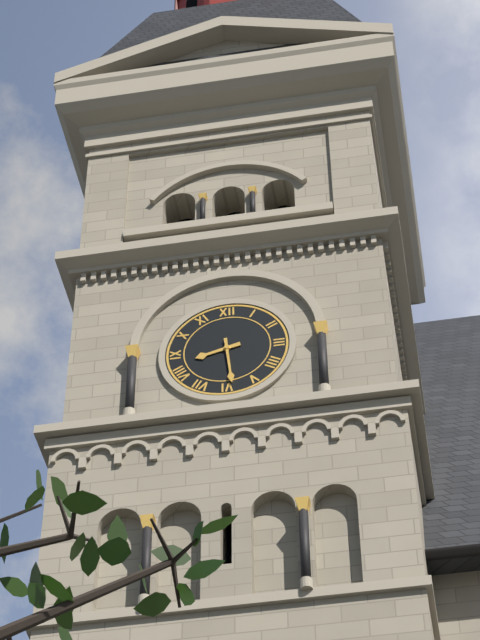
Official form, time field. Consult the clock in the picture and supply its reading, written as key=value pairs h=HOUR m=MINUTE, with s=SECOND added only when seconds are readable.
h=8 m=29
